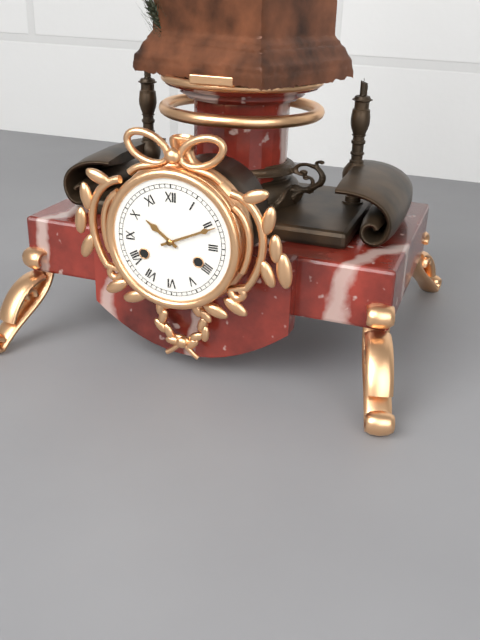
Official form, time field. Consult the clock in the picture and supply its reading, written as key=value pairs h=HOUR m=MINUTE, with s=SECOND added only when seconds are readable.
h=10 m=11
